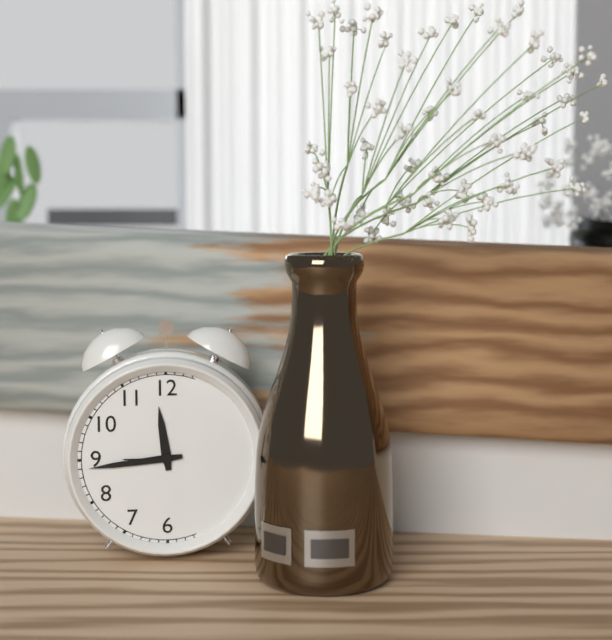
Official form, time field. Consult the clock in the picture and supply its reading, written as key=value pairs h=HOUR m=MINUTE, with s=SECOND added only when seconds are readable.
h=11 m=44
